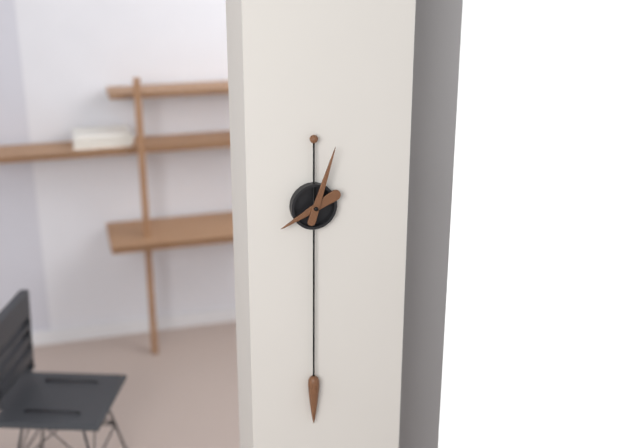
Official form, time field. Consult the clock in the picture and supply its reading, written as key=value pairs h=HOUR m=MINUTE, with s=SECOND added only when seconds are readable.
h=8 m=3
